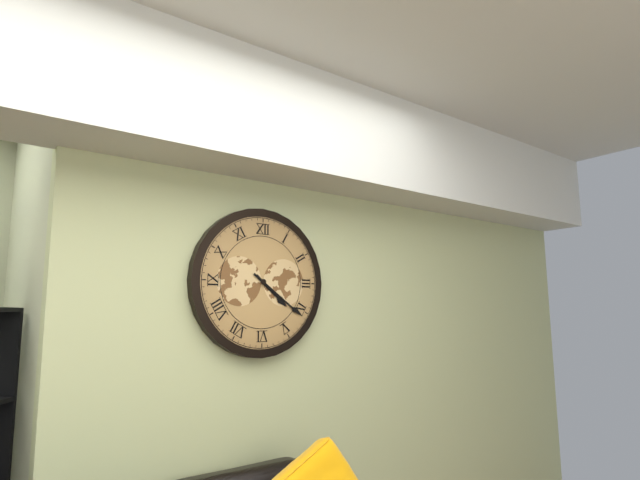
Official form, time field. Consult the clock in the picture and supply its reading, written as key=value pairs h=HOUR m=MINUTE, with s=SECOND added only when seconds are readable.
h=4 m=21
